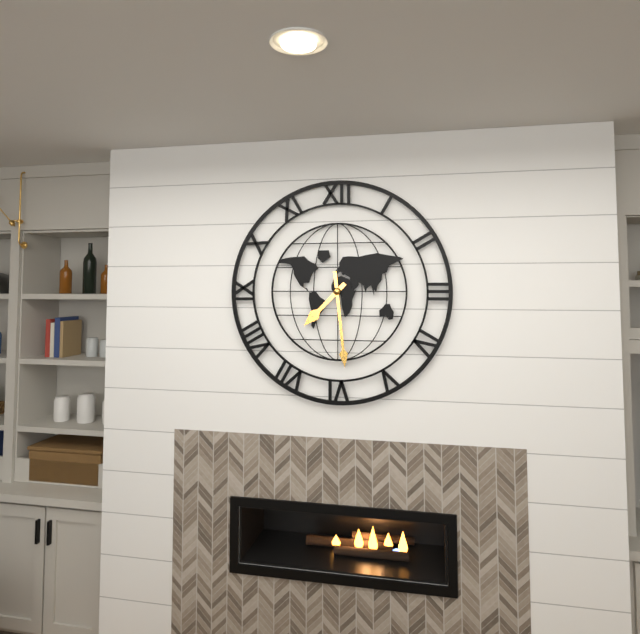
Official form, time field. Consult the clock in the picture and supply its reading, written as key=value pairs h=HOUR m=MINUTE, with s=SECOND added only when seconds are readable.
h=7 m=29
